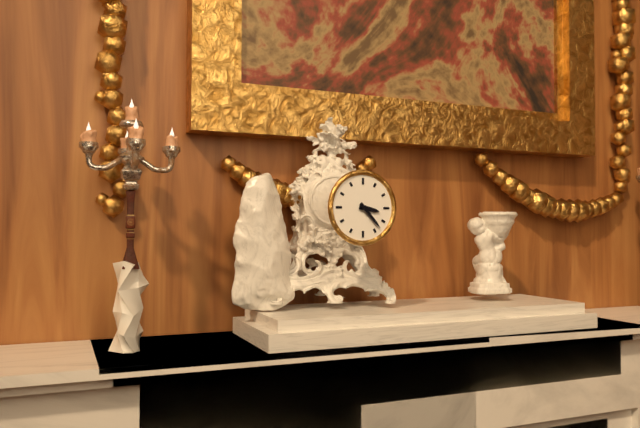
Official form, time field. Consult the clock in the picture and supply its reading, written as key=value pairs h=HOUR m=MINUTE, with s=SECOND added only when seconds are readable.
h=3 m=23
